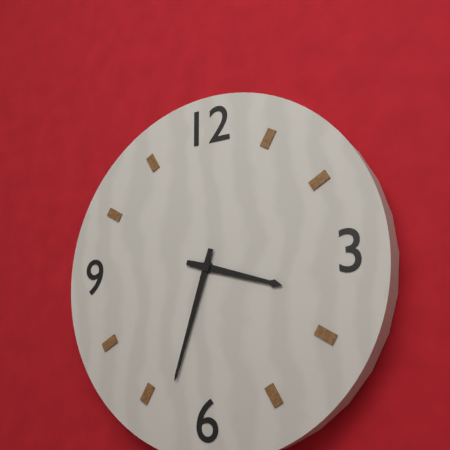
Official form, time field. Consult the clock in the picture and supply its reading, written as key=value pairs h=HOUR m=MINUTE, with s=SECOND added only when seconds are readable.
h=3 m=33
